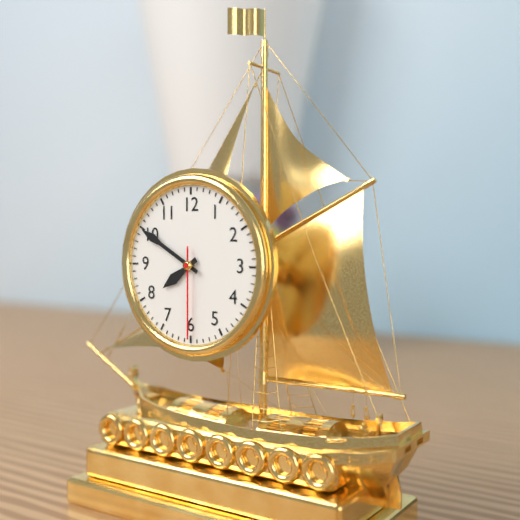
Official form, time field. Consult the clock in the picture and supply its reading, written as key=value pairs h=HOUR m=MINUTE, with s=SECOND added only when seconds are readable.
h=7 m=50 s=30
